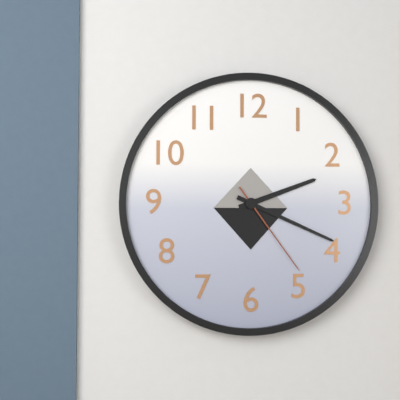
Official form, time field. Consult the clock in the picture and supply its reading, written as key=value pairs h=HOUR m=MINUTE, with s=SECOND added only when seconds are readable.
h=2 m=19 s=24
